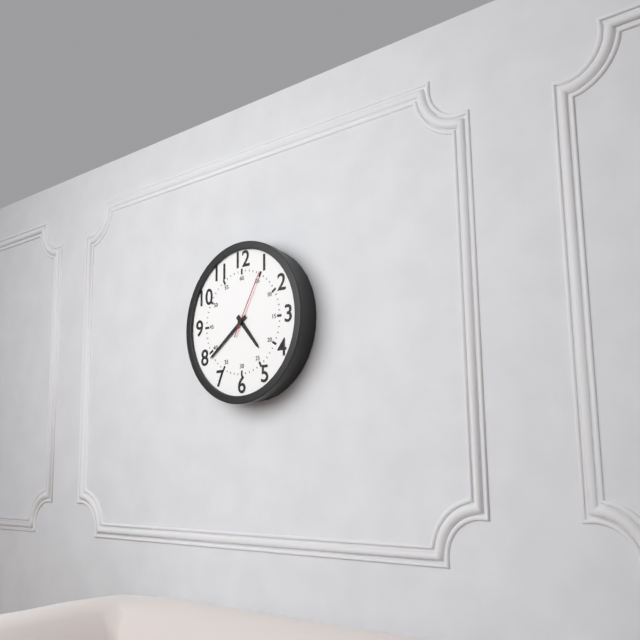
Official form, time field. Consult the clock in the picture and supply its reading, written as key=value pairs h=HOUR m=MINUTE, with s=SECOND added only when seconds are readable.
h=4 m=39 s=5
